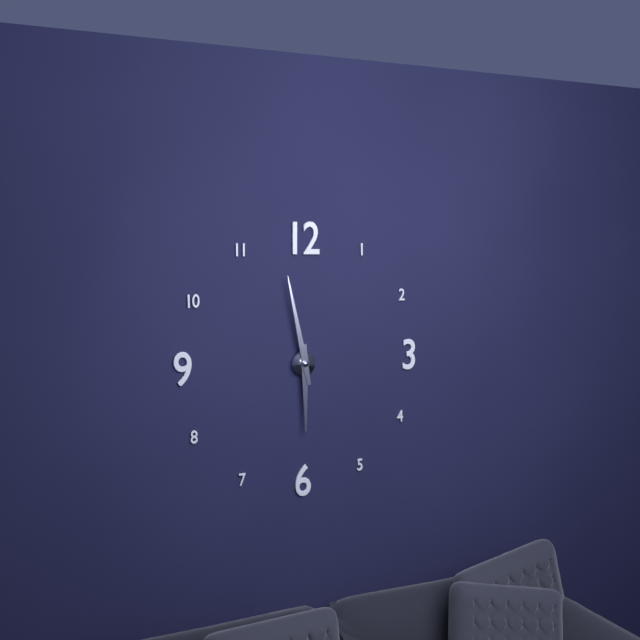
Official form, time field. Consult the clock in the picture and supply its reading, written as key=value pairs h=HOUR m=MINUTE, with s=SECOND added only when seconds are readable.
h=5 m=58
